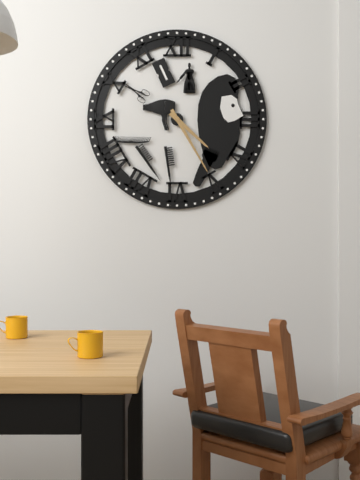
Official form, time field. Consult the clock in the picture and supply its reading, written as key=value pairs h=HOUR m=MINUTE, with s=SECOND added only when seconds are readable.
h=4 m=25
